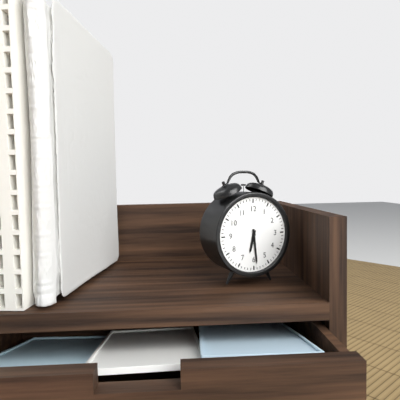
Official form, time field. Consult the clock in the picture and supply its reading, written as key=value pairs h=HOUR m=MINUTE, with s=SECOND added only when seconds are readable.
h=6 m=29
